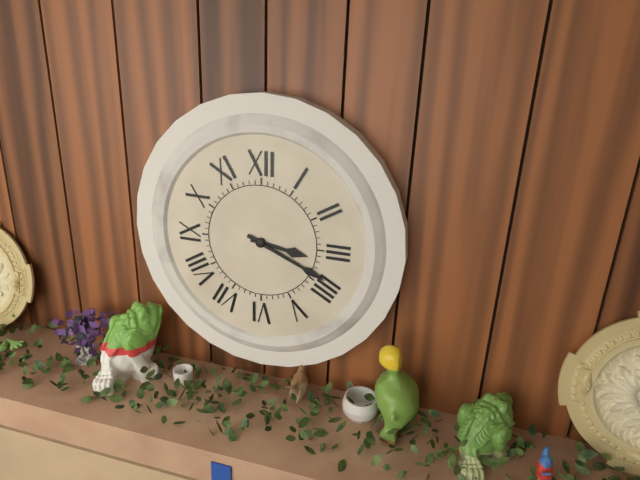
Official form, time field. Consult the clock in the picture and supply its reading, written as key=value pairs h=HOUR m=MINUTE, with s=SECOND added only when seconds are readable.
h=3 m=19
